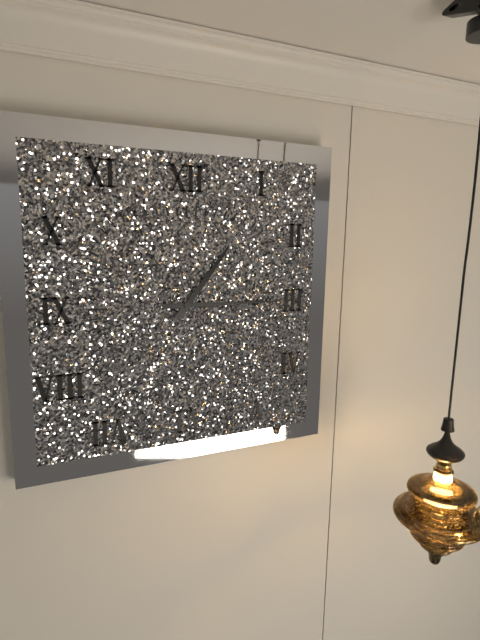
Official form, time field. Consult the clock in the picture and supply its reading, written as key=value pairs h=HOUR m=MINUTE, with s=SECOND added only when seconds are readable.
h=1 m=15
